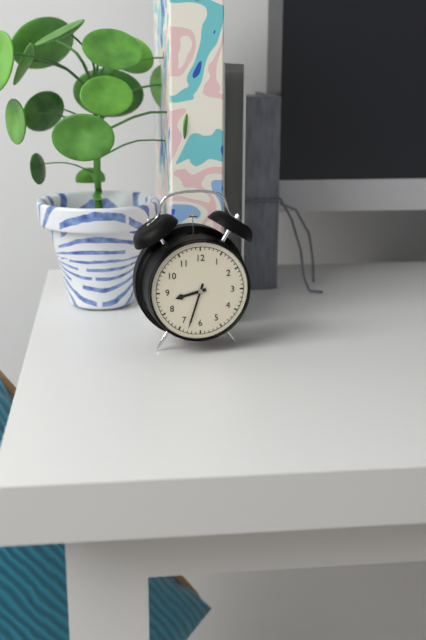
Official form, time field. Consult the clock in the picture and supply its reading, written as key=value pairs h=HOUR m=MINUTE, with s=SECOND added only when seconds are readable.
h=8 m=33
